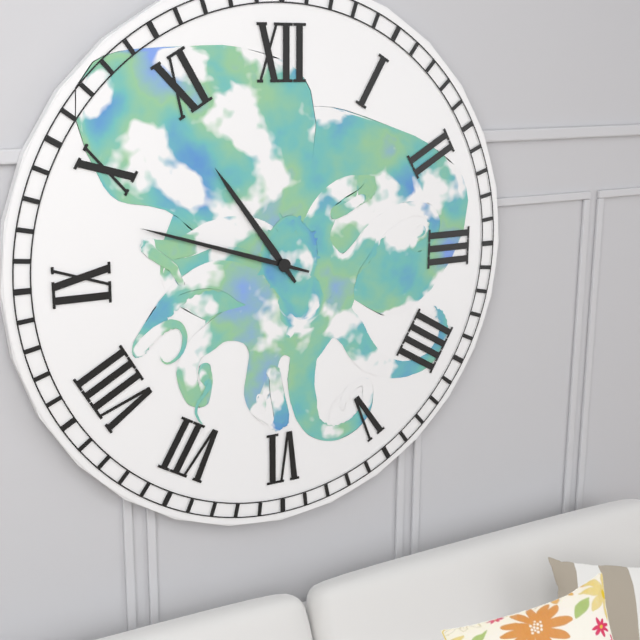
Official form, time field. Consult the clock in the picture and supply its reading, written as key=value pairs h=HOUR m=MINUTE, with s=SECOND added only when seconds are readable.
h=10 m=48
